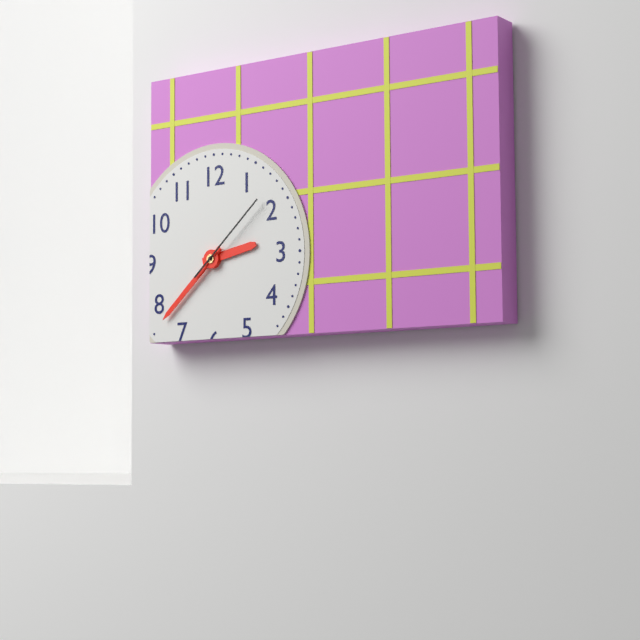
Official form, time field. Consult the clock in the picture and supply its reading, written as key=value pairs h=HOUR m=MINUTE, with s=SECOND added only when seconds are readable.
h=2 m=38 s=8
